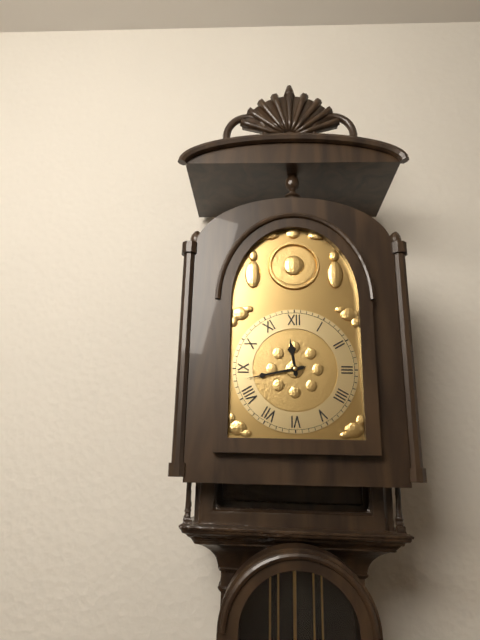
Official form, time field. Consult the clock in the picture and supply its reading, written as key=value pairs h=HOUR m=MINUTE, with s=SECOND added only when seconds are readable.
h=11 m=43
